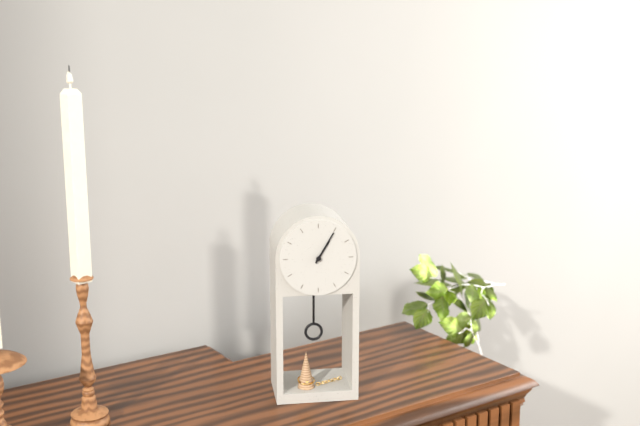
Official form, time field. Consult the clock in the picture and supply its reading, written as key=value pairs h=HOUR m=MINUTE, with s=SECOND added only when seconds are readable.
h=1 m=5
